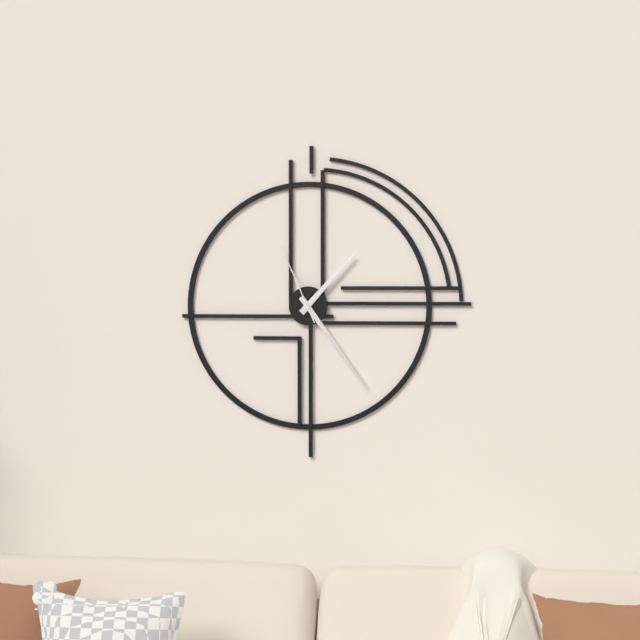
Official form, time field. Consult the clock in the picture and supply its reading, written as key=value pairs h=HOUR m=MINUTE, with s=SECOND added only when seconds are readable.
h=1 m=24 s=56
